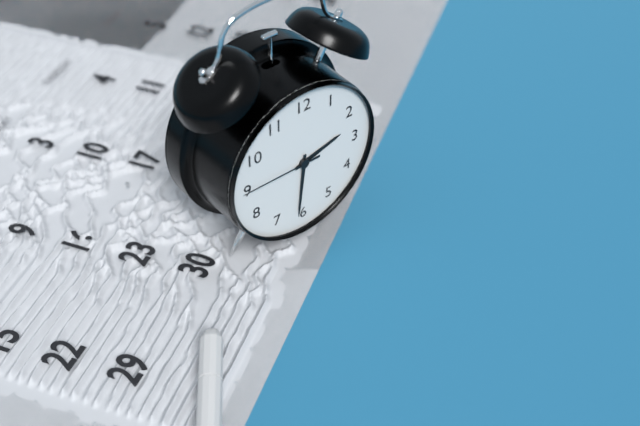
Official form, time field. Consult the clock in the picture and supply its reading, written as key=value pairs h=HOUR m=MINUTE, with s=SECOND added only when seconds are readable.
h=2 m=31 s=45
